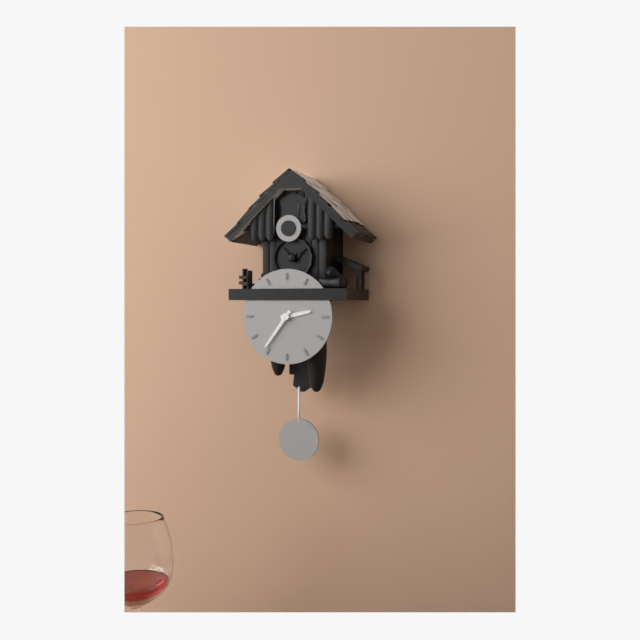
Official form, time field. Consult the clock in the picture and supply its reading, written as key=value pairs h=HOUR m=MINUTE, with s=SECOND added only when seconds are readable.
h=2 m=36
